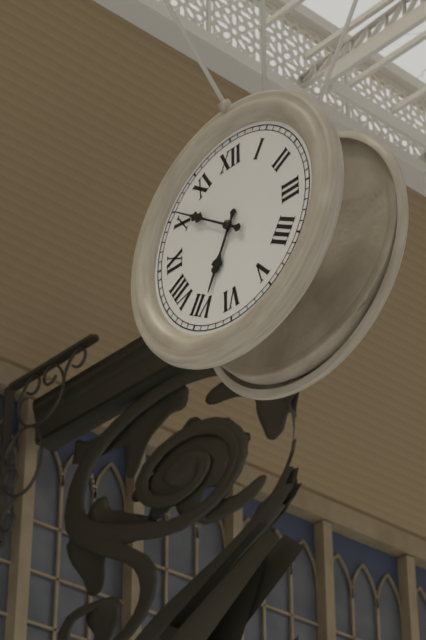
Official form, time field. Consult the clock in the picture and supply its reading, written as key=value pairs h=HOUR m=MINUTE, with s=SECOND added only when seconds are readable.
h=6 m=51
